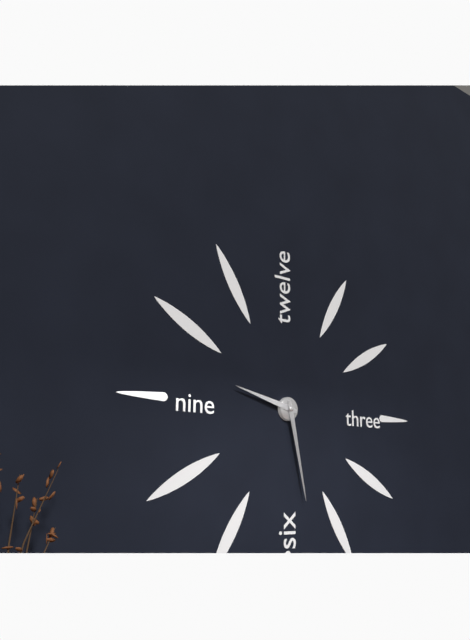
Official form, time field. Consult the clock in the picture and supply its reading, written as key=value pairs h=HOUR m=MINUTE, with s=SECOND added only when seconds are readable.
h=9 m=28
